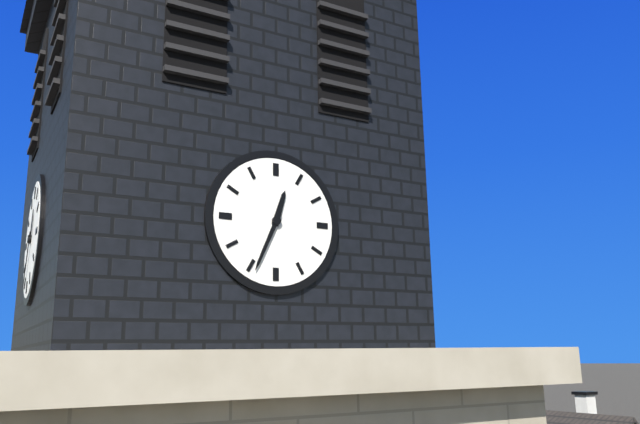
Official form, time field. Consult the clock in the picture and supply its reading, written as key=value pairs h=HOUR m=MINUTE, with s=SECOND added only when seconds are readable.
h=12 m=34
